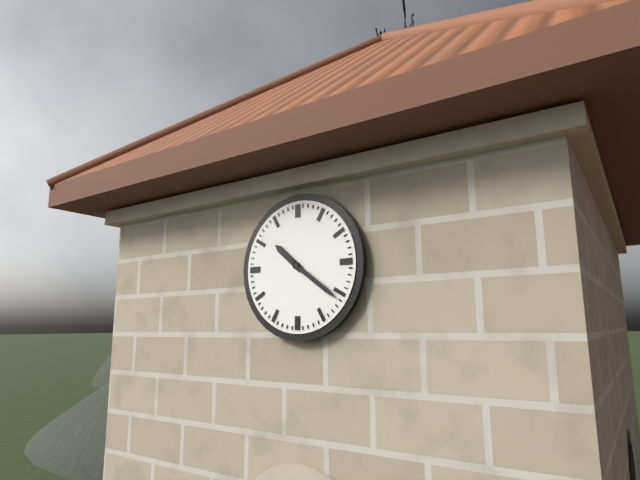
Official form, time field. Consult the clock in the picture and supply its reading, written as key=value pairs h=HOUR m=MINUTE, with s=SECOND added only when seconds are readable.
h=10 m=21
